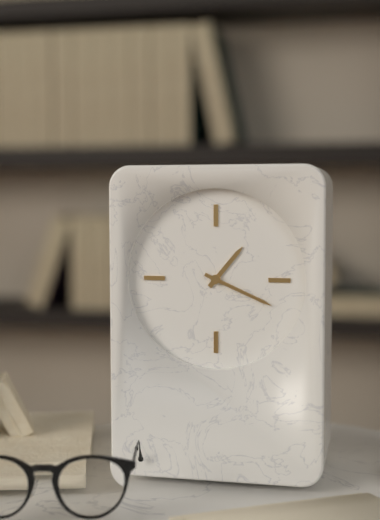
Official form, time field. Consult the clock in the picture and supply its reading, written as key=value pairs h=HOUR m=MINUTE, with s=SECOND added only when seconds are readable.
h=1 m=19
